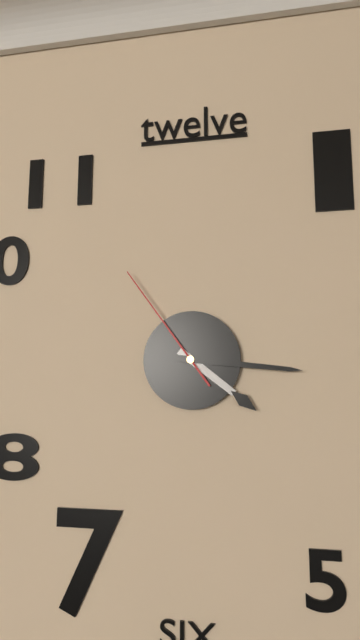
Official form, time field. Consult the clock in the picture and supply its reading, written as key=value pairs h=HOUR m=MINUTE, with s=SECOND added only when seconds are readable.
h=4 m=16 s=54
